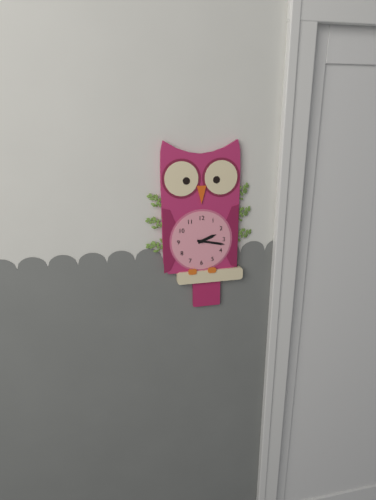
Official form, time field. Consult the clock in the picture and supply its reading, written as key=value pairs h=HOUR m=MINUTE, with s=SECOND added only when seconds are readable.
h=2 m=17
